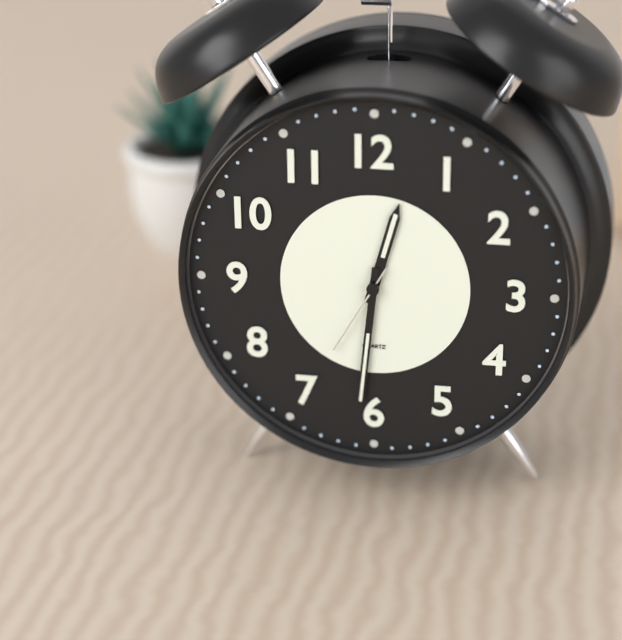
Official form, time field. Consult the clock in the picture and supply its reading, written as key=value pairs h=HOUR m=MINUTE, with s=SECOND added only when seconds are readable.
h=12 m=31 s=35
